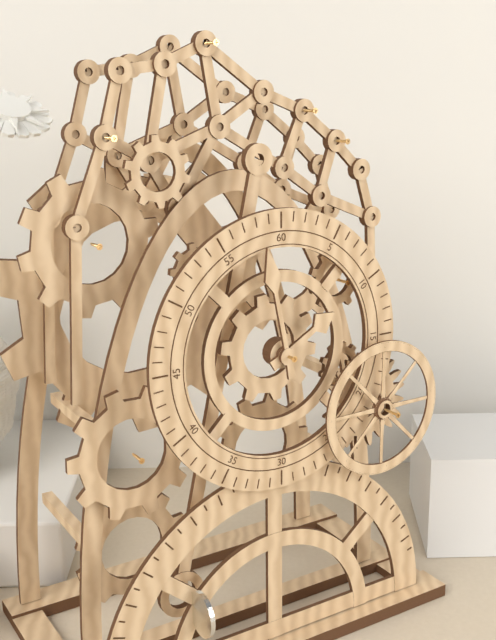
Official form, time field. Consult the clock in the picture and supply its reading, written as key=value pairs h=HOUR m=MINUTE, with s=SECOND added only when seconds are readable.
h=1 m=58
